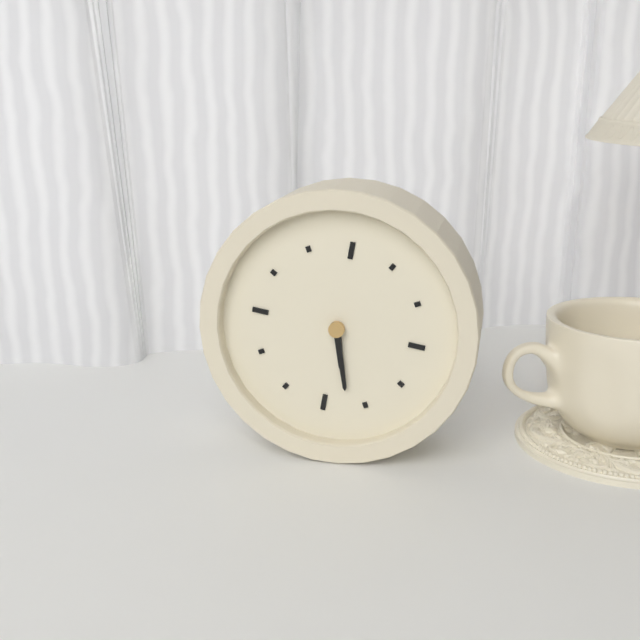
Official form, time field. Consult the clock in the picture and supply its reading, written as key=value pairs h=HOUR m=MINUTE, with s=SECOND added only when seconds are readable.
h=5 m=27
